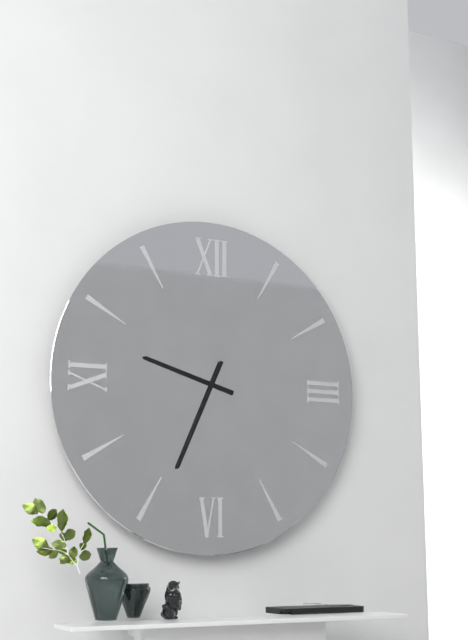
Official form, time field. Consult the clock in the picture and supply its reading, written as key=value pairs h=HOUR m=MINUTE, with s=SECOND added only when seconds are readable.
h=9 m=34
